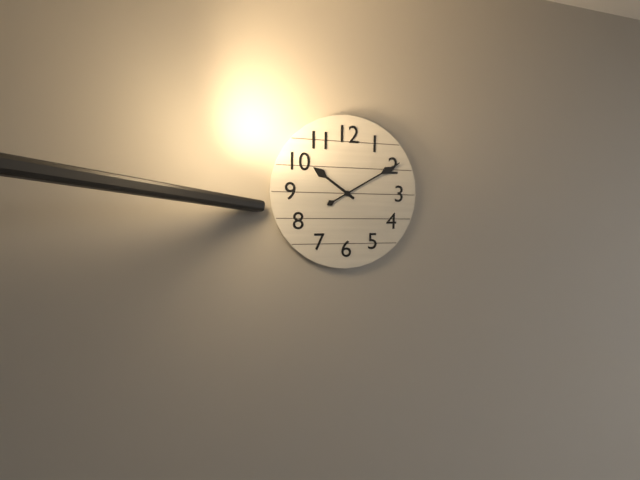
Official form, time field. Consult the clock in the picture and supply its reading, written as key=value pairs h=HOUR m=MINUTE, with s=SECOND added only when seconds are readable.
h=10 m=10
